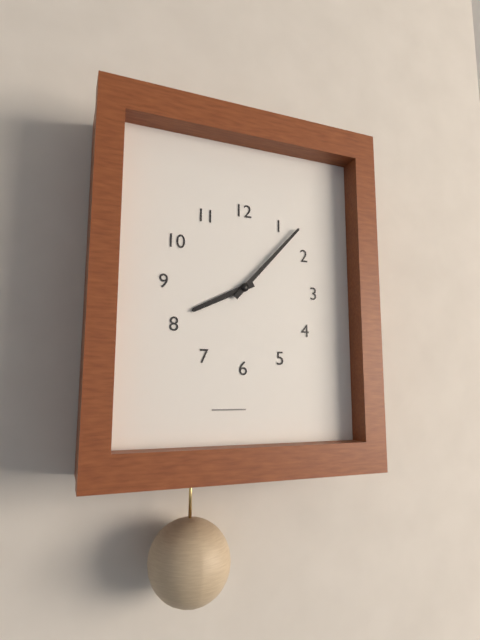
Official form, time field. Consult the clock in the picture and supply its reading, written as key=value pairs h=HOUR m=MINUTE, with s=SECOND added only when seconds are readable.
h=8 m=7
